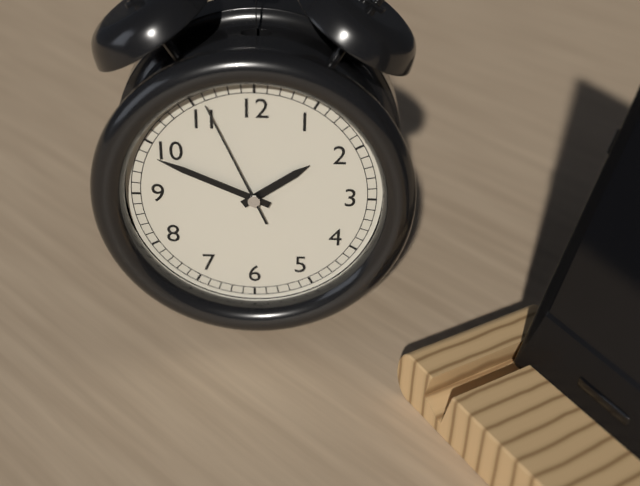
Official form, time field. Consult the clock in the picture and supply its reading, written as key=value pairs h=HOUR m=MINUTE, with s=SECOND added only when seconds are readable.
h=1 m=49 s=56
